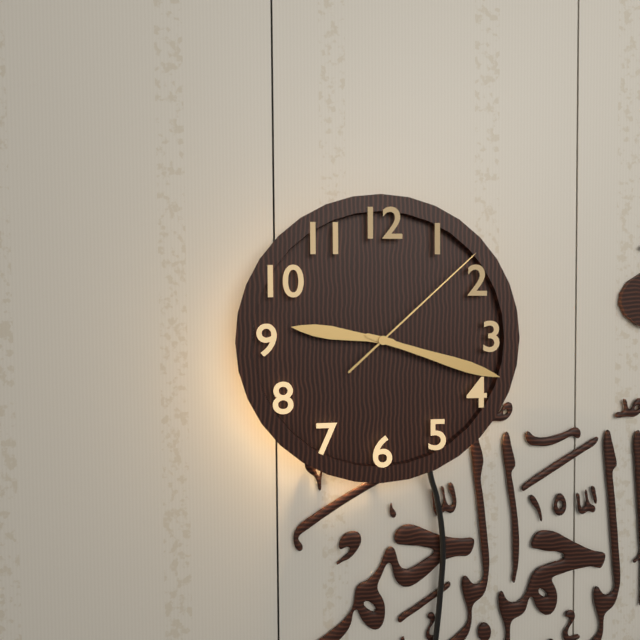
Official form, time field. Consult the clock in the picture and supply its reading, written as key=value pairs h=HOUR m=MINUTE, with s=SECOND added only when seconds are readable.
h=9 m=18 s=8
